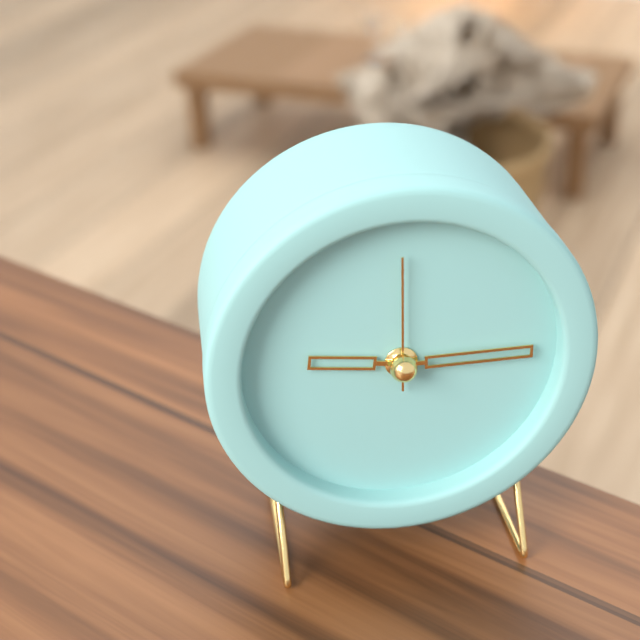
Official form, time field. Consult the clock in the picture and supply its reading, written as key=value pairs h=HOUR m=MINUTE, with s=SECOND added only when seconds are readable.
h=9 m=15 s=0
